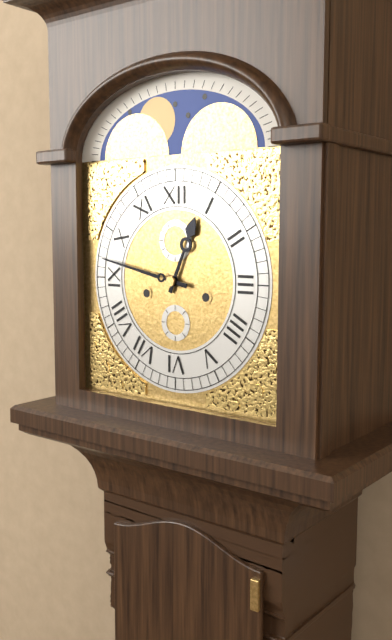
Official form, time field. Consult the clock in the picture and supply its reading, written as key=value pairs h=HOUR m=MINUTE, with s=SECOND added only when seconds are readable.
h=12 m=47
